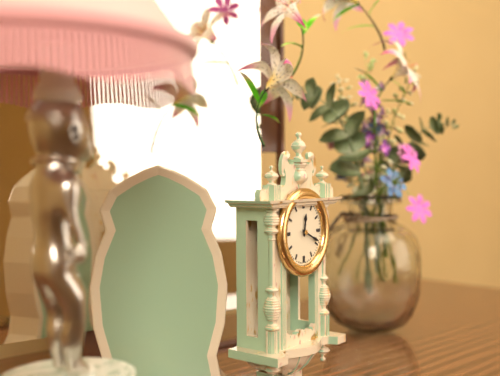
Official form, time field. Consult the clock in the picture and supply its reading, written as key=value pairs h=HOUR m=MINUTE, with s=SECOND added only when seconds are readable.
h=12 m=19
